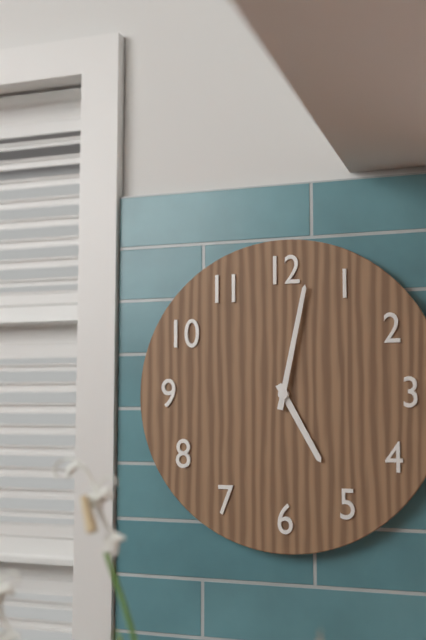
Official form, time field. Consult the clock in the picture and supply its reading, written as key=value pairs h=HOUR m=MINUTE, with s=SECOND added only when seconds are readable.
h=5 m=2
